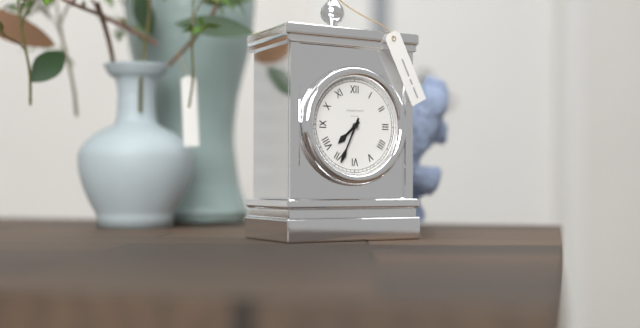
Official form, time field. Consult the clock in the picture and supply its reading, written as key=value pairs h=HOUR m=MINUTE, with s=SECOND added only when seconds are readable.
h=7 m=34
